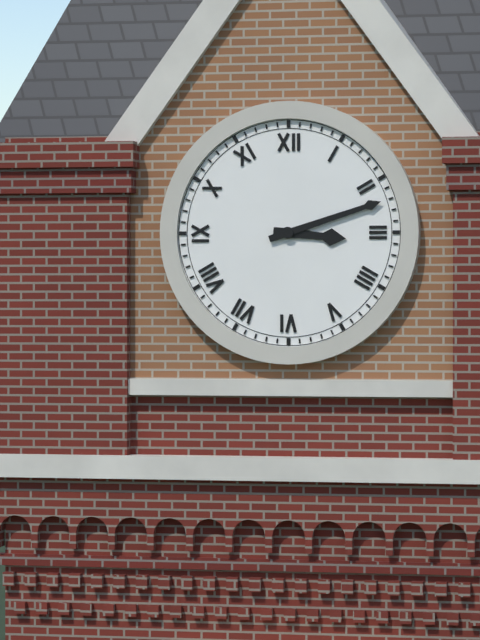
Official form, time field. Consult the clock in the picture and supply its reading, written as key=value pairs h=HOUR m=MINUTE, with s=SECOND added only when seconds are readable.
h=3 m=12
